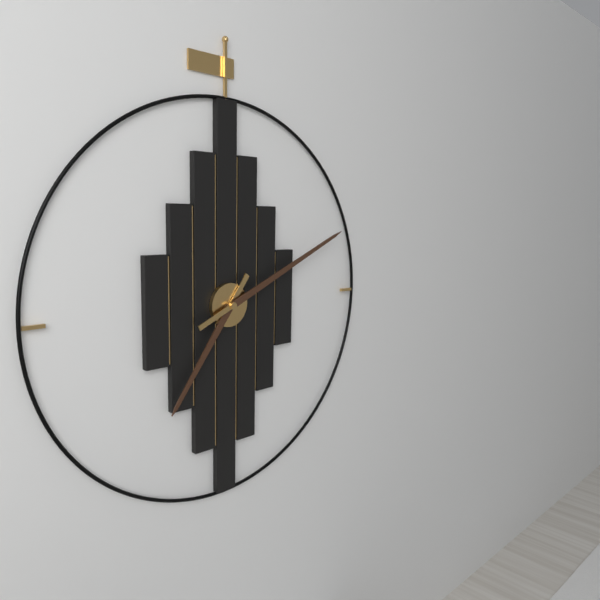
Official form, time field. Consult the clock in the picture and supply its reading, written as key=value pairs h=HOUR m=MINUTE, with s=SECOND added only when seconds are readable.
h=7 m=11
